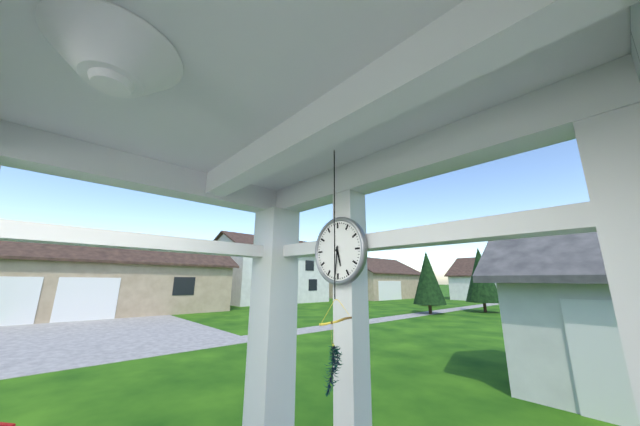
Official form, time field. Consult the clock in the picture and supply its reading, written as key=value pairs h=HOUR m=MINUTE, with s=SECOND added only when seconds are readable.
h=5 m=31
